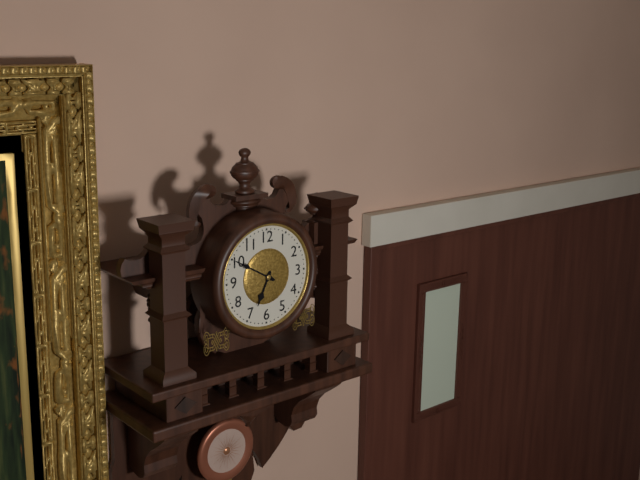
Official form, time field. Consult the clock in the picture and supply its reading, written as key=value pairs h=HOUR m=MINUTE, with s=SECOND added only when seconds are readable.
h=6 m=50
